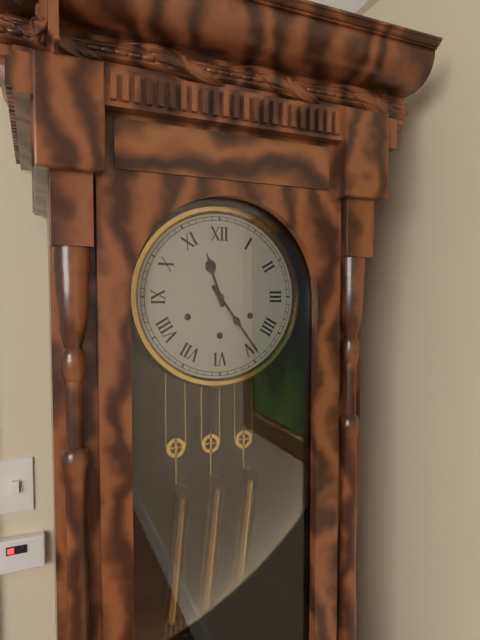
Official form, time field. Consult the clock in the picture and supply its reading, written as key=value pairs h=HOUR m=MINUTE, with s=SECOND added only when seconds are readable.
h=11 m=24
